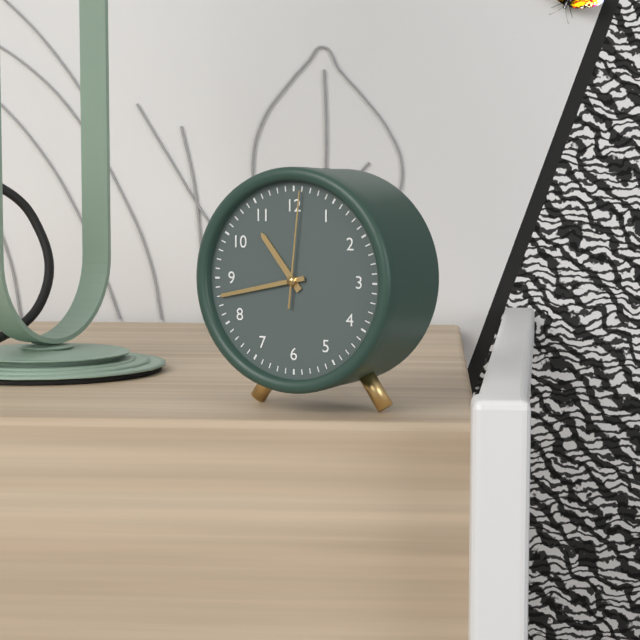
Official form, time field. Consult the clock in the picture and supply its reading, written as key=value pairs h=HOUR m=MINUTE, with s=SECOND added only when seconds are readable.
h=10 m=43 s=1
